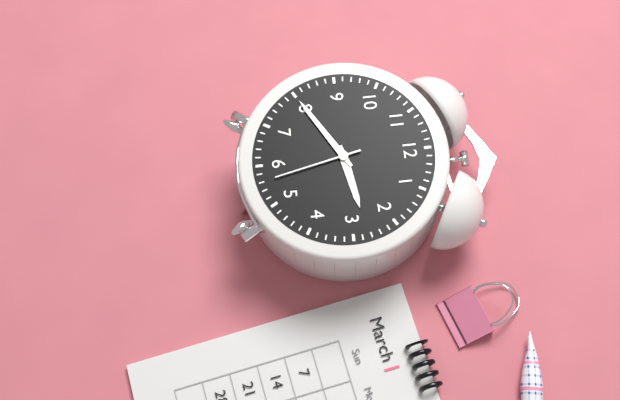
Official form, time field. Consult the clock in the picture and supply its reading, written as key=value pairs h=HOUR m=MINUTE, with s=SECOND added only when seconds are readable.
h=2 m=40 s=28
